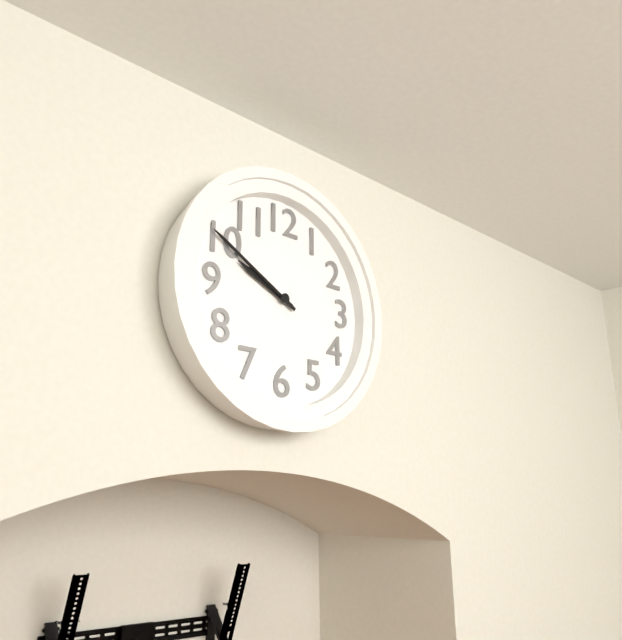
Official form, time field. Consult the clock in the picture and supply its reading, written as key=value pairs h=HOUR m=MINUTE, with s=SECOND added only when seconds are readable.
h=9 m=50
